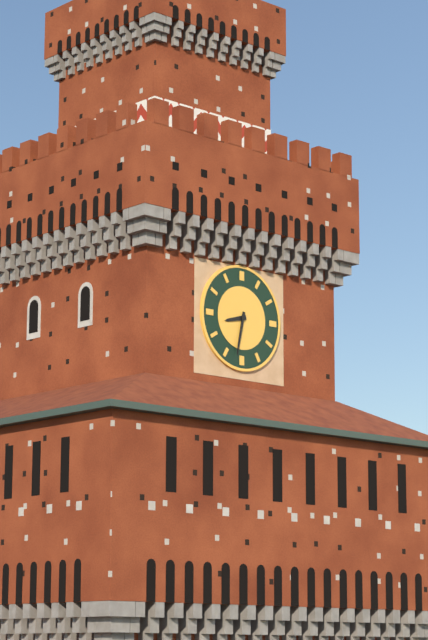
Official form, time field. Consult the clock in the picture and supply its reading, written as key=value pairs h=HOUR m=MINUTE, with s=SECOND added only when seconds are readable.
h=8 m=32
